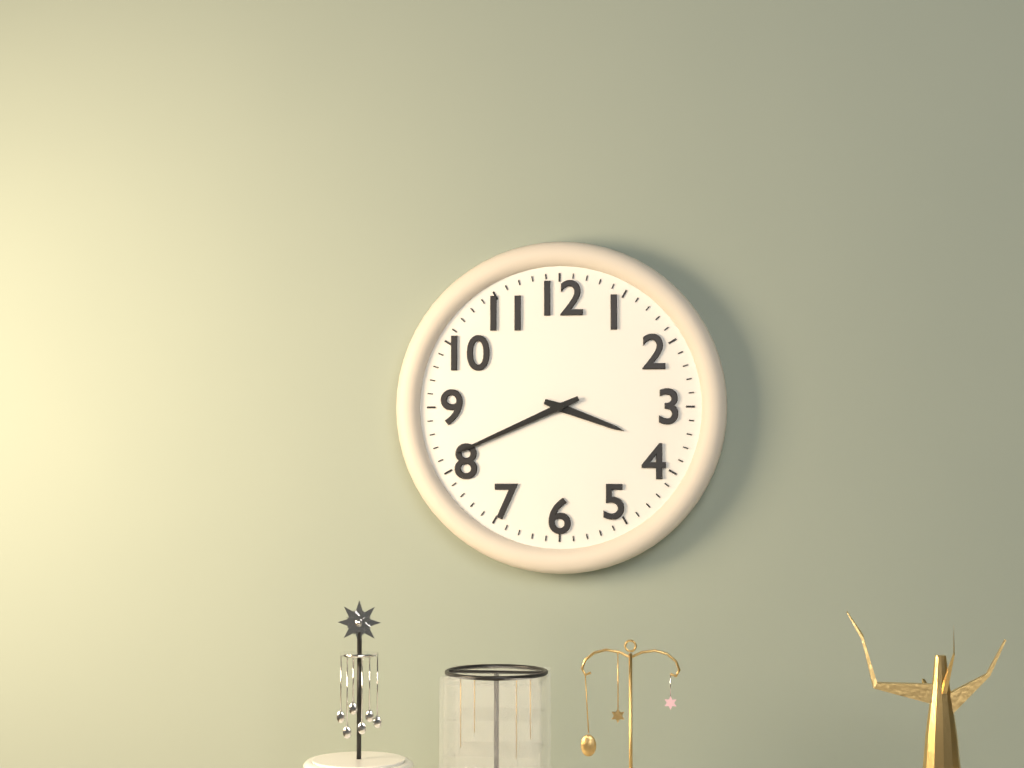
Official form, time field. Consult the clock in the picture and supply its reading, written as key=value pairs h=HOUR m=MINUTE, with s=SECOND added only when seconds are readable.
h=3 m=41
